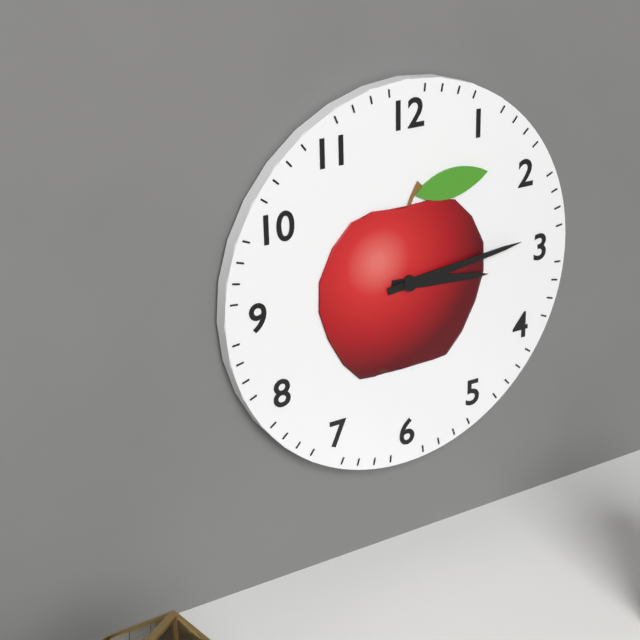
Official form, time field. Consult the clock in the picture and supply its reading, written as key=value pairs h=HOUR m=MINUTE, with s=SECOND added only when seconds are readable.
h=3 m=14
